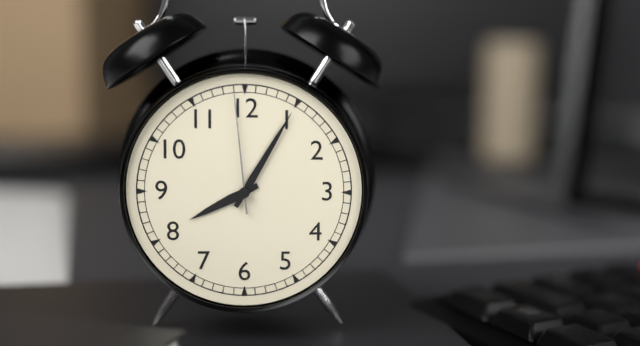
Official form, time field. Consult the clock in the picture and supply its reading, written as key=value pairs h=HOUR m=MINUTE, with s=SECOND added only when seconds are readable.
h=8 m=5 s=59
